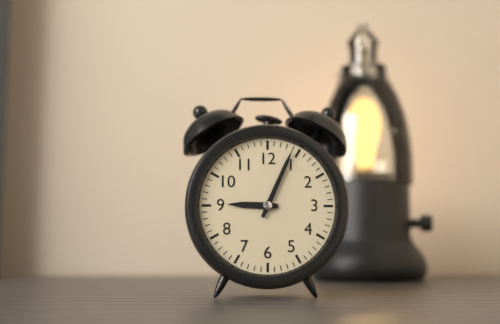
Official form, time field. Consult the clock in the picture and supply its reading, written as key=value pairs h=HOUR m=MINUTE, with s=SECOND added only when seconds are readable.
h=9 m=4
